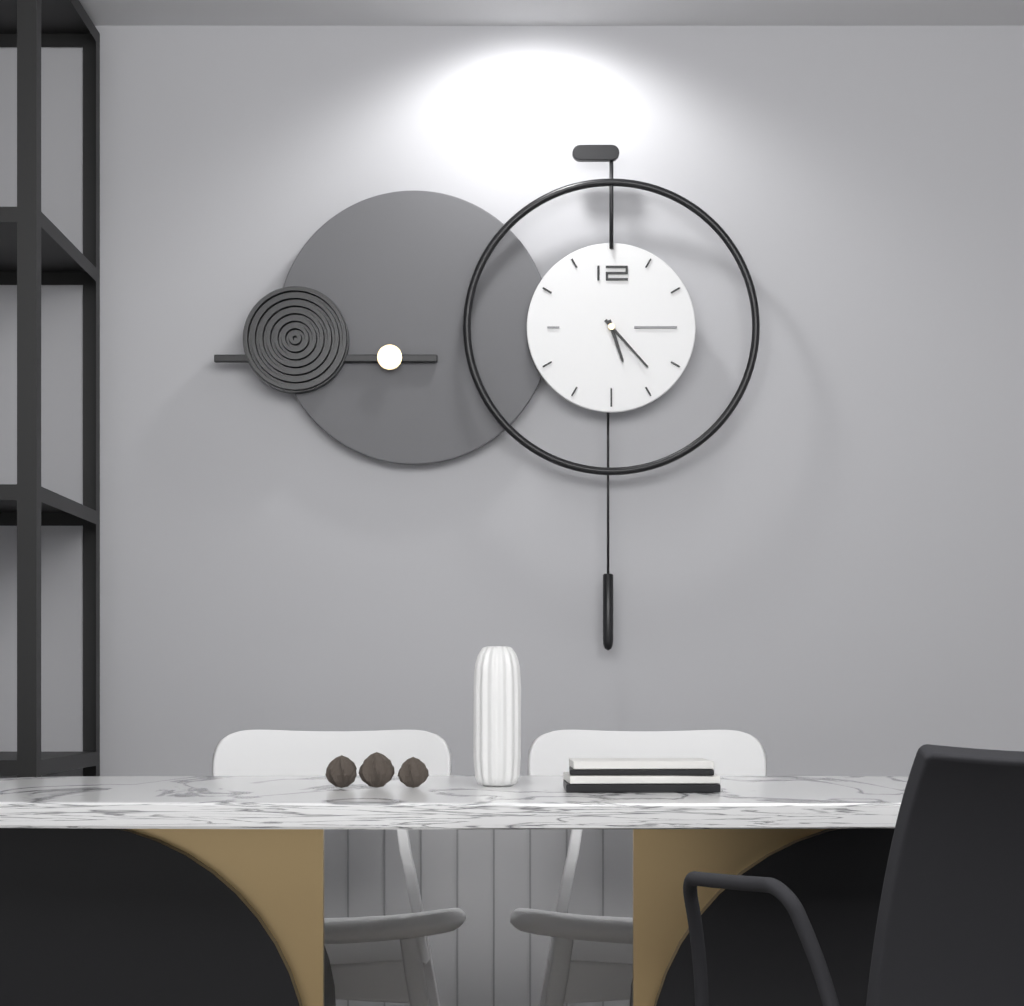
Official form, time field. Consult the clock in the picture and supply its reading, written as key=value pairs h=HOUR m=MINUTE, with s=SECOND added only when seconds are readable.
h=5 m=23
